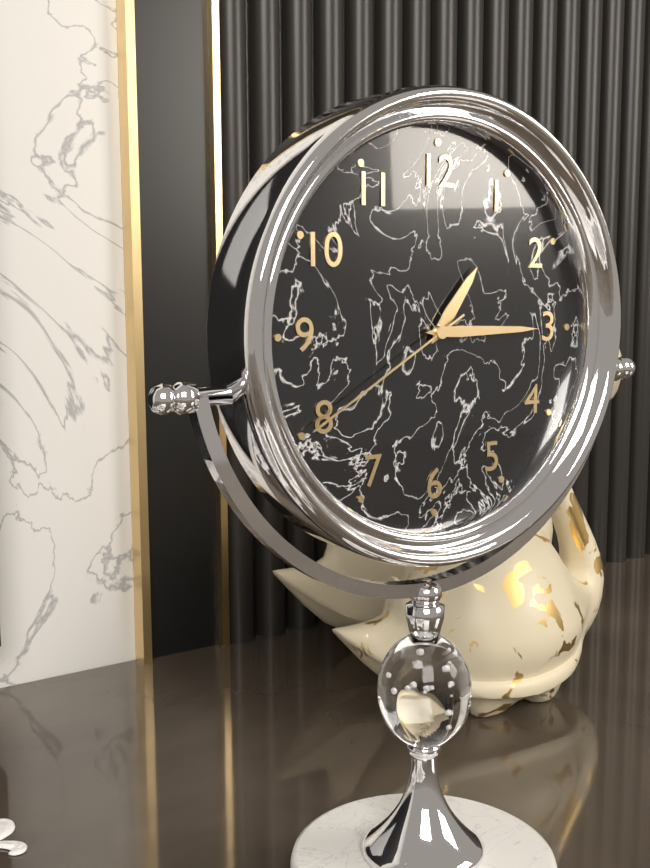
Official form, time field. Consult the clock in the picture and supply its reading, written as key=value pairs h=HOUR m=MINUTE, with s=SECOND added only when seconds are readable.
h=1 m=15 s=40
